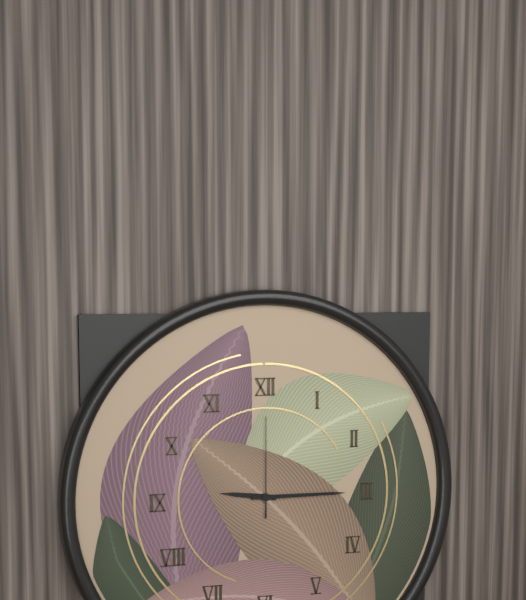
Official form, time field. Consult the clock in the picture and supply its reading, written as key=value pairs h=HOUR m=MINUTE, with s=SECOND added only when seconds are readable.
h=9 m=15 s=0
